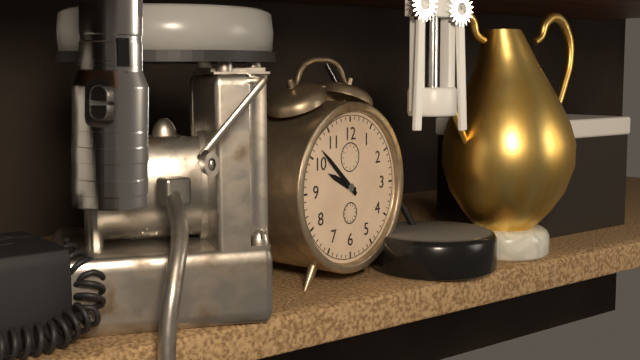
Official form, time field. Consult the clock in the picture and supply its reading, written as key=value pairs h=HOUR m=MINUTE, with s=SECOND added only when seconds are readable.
h=9 m=52
